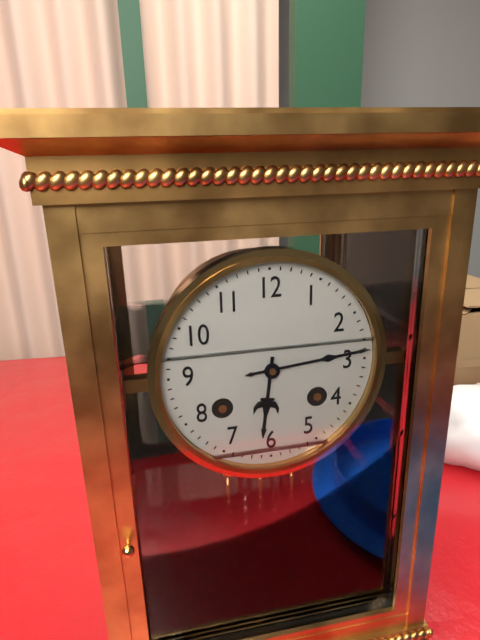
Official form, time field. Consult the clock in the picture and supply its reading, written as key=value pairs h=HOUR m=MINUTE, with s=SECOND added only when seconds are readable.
h=6 m=14
